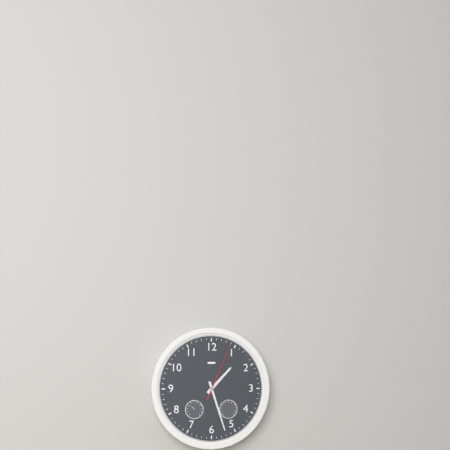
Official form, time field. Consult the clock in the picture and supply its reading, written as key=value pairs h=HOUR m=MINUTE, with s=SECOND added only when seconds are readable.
h=1 m=27 s=4
